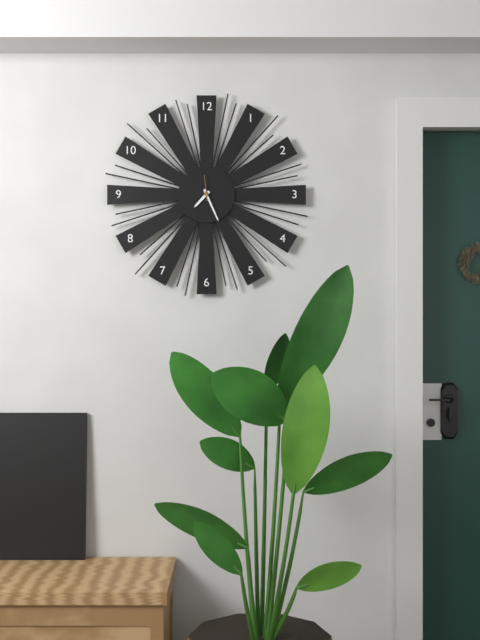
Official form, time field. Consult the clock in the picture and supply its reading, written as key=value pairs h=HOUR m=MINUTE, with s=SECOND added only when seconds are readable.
h=7 m=26
